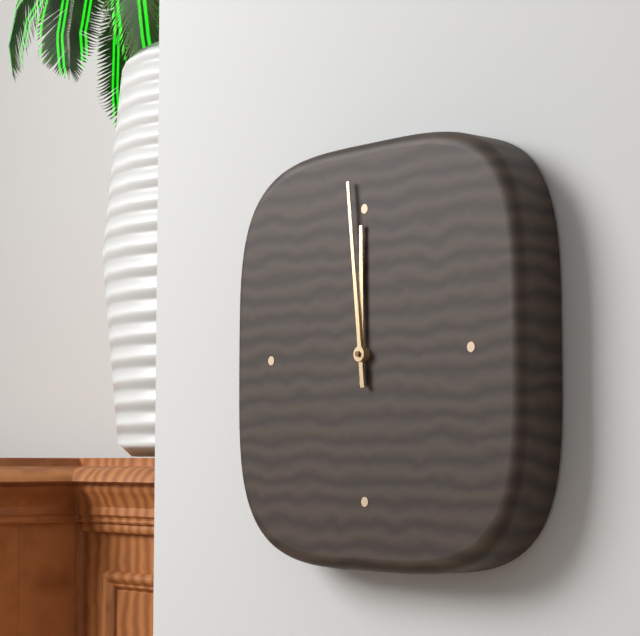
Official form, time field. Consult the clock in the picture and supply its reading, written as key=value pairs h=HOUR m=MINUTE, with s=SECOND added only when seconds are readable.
h=11 m=59
